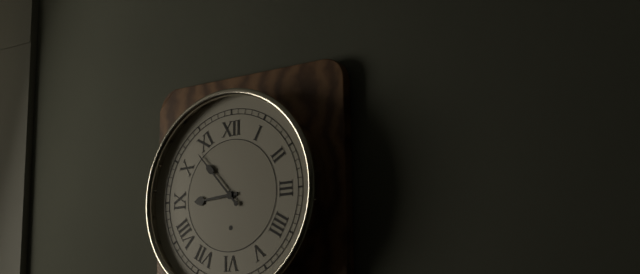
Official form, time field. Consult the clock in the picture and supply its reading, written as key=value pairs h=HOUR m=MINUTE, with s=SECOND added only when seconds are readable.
h=8 m=53
